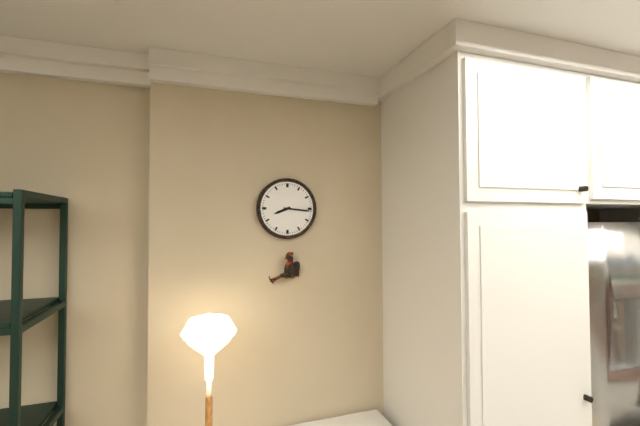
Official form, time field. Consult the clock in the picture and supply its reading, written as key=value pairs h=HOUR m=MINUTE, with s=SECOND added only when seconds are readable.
h=8 m=16
